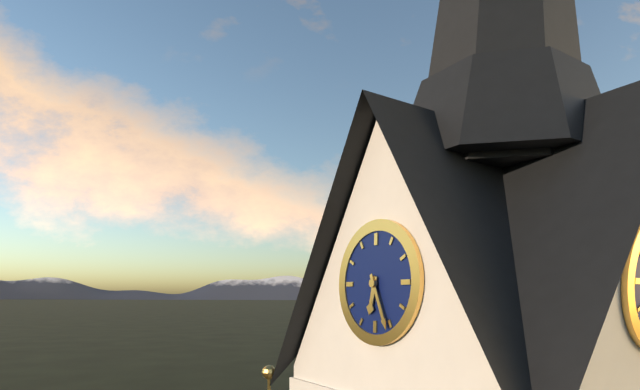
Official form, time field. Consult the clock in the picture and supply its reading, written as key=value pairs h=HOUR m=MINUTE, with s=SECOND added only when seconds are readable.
h=6 m=26
